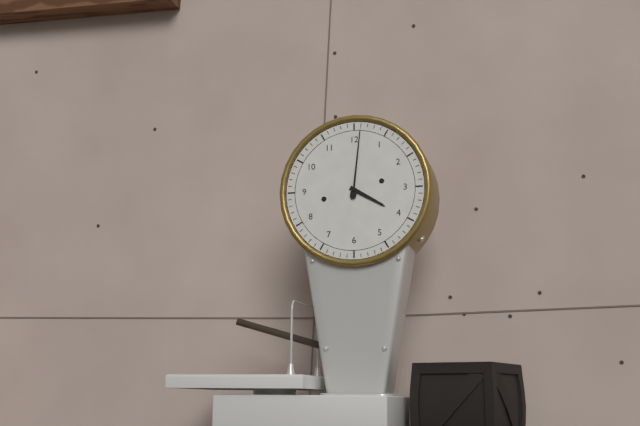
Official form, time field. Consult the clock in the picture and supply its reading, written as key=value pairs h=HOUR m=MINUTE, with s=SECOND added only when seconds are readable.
h=4 m=1
